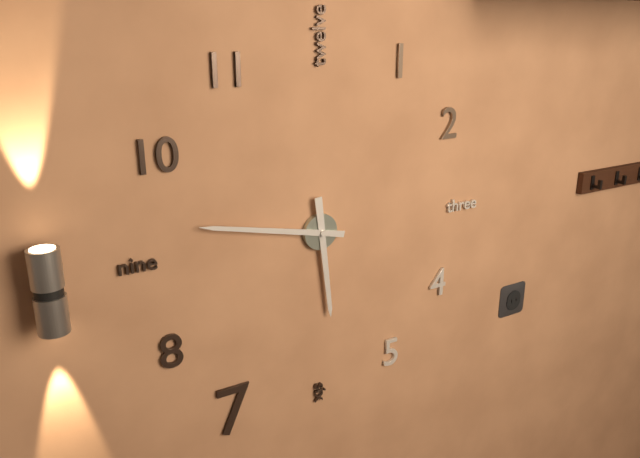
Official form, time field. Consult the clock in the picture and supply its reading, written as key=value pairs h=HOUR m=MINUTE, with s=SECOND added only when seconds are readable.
h=5 m=47
